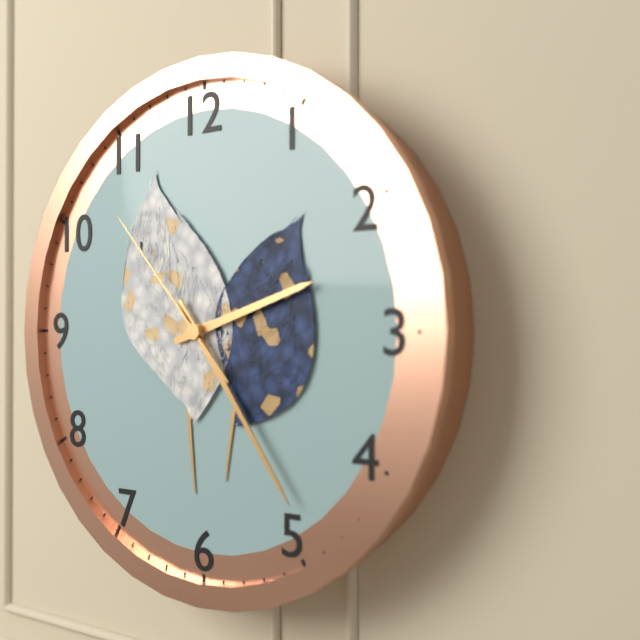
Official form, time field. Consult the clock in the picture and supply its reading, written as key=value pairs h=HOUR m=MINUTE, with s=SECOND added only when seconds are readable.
h=2 m=24 s=53
